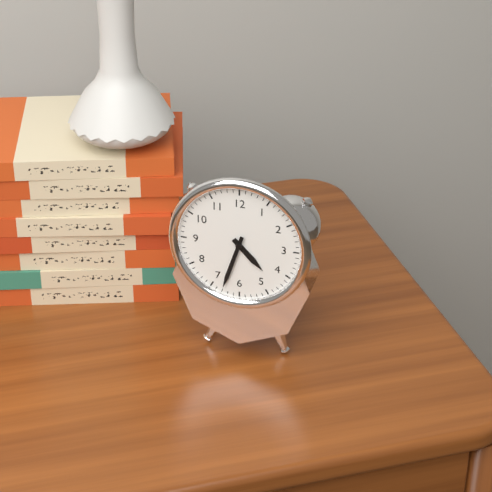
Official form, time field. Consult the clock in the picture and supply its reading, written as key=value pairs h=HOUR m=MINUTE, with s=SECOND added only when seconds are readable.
h=4 m=33
